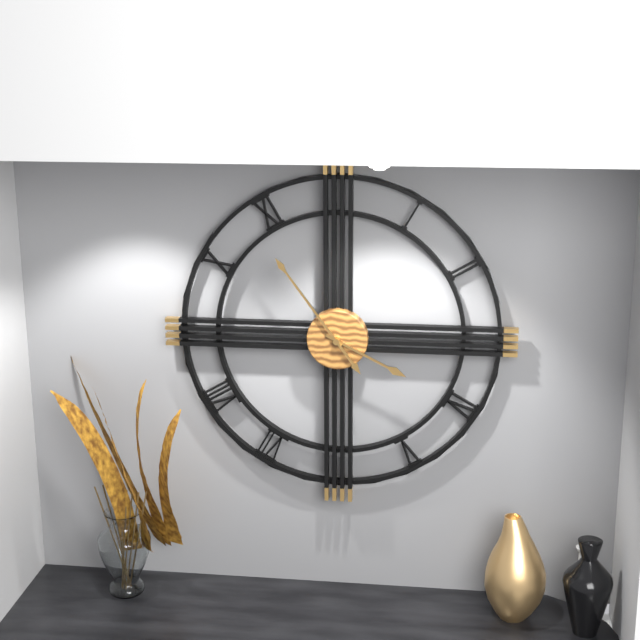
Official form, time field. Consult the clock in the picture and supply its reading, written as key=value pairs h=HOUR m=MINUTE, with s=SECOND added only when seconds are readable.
h=3 m=54
